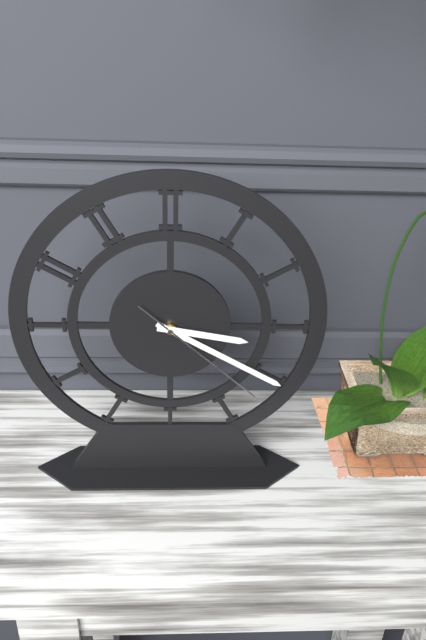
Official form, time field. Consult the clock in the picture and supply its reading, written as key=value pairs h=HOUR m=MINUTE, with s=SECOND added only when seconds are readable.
h=3 m=20 s=22
